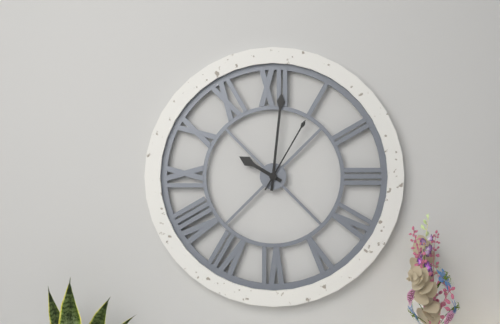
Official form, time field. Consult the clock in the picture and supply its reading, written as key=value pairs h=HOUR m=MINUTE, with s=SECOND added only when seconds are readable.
h=10 m=1 s=5
